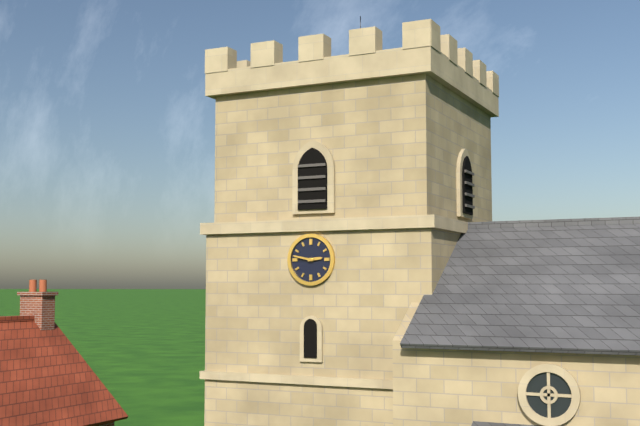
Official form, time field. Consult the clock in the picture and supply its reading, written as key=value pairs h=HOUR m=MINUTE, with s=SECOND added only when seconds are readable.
h=2 m=47
